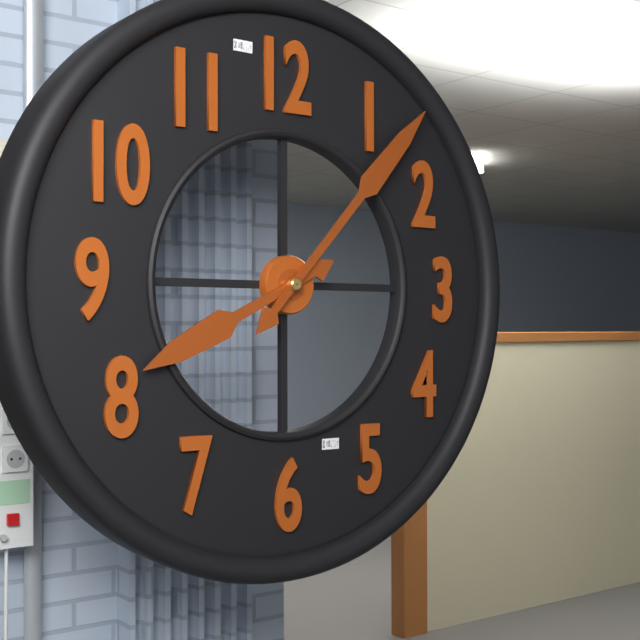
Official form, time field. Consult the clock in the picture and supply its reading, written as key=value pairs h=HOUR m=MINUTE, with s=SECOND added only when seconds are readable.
h=8 m=7
